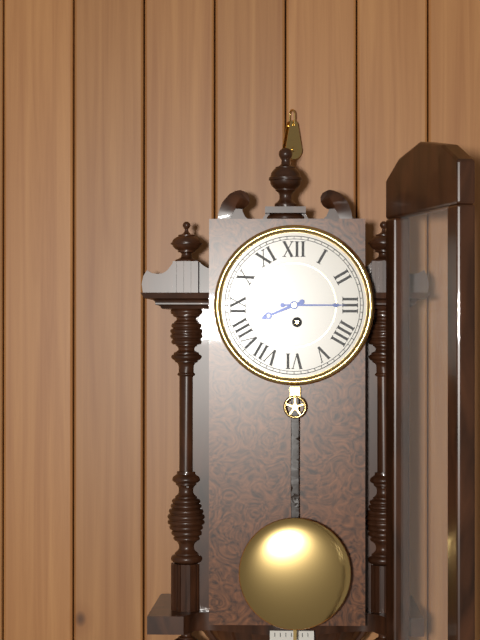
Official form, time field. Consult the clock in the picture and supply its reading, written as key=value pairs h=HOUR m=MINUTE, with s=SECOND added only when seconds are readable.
h=8 m=15
